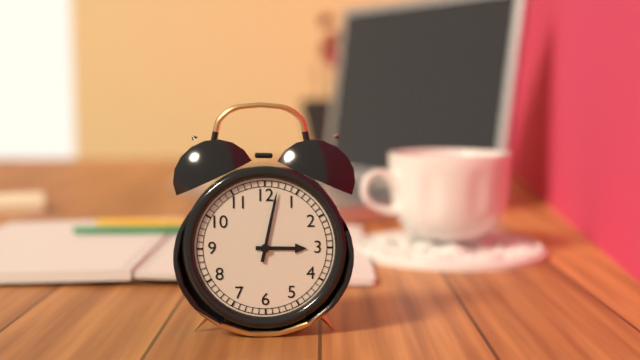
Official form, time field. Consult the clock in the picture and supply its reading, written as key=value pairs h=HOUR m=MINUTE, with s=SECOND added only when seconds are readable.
h=3 m=2
